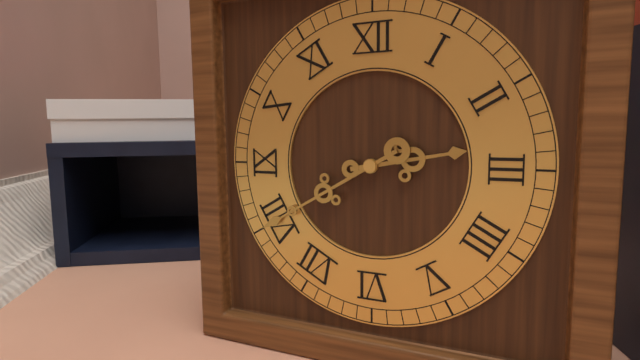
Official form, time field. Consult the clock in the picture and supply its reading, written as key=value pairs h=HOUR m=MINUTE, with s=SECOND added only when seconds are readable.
h=2 m=40
